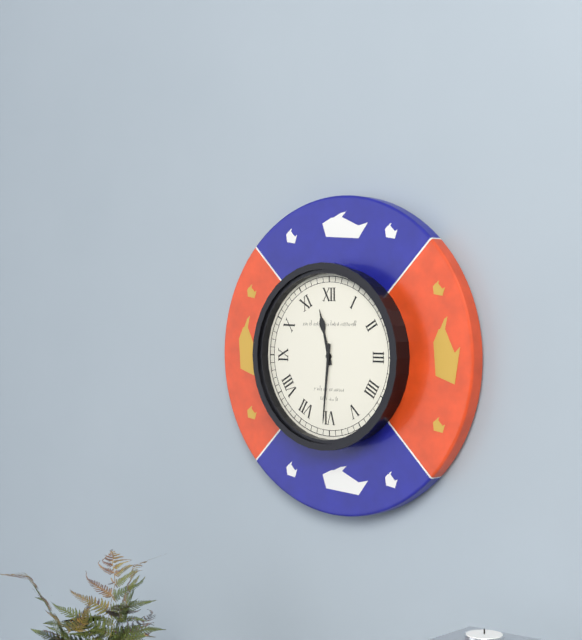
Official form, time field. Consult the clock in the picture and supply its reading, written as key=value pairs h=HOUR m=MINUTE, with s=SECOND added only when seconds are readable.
h=11 m=31
